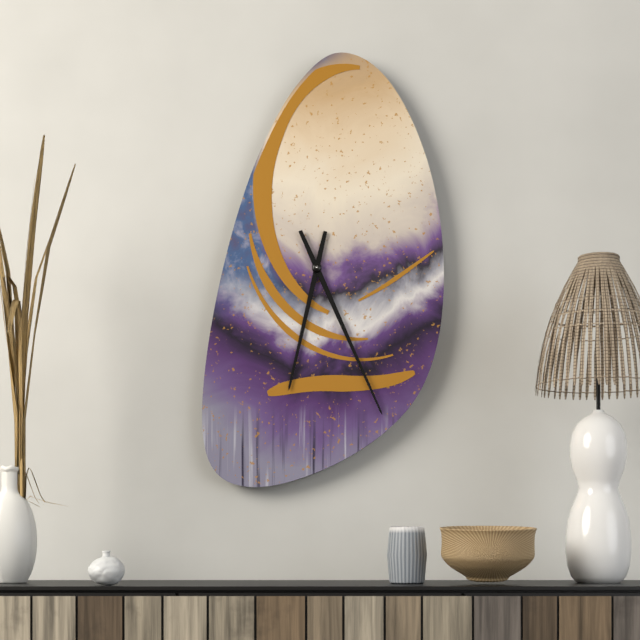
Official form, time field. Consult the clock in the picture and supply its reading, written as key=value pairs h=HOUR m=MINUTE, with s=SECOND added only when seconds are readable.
h=6 m=26
